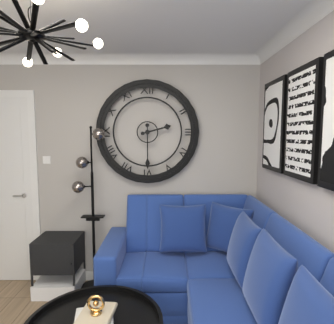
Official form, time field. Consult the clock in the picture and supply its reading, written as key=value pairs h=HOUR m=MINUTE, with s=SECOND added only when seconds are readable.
h=2 m=30
